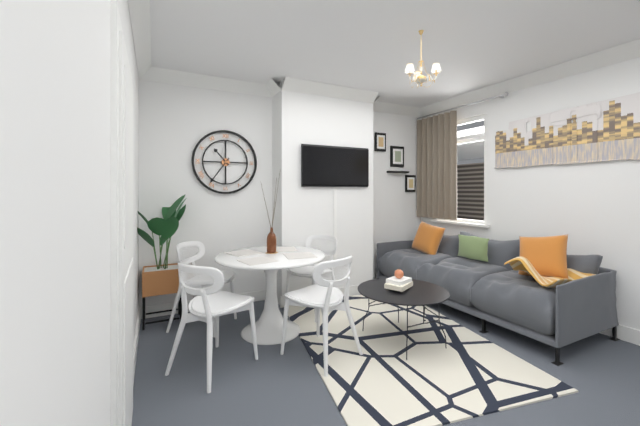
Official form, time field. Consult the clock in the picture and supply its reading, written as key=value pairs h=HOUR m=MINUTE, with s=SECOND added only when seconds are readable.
h=10 m=36
